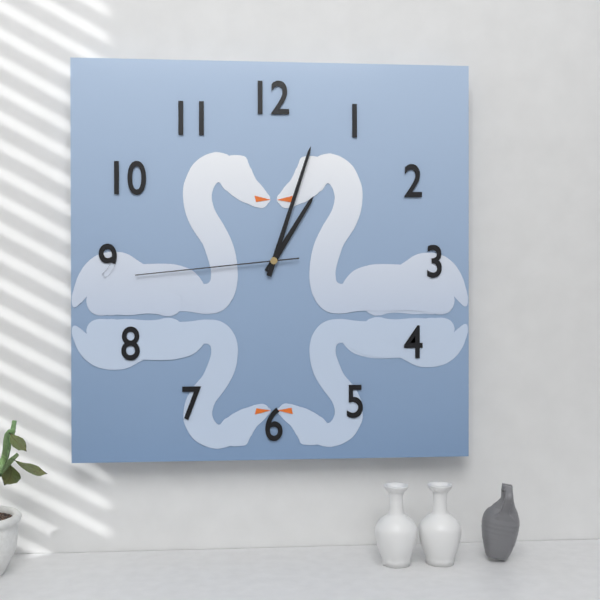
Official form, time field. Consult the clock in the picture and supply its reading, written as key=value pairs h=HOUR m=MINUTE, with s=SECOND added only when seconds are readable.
h=1 m=3 s=44
